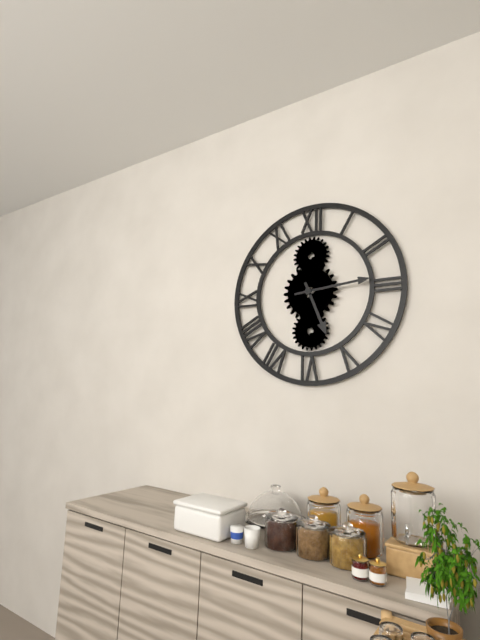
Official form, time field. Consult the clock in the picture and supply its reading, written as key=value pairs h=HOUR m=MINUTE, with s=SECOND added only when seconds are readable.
h=5 m=14
